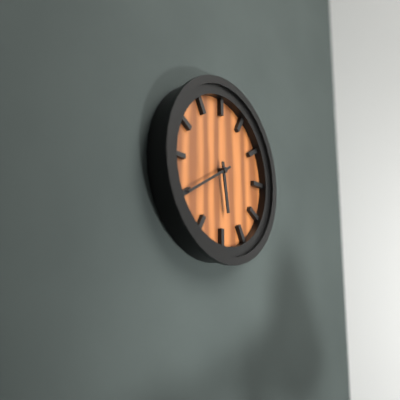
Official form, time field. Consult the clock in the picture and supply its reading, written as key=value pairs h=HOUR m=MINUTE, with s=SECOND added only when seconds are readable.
h=5 m=40
